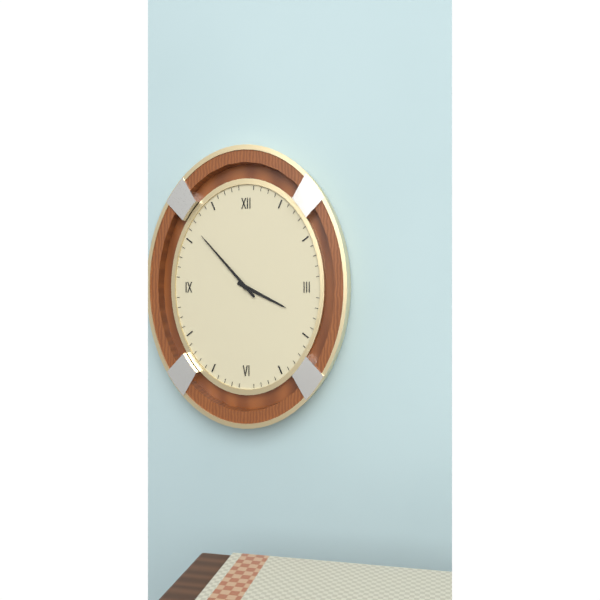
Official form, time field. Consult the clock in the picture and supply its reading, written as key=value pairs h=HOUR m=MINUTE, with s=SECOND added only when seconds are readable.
h=3 m=53
